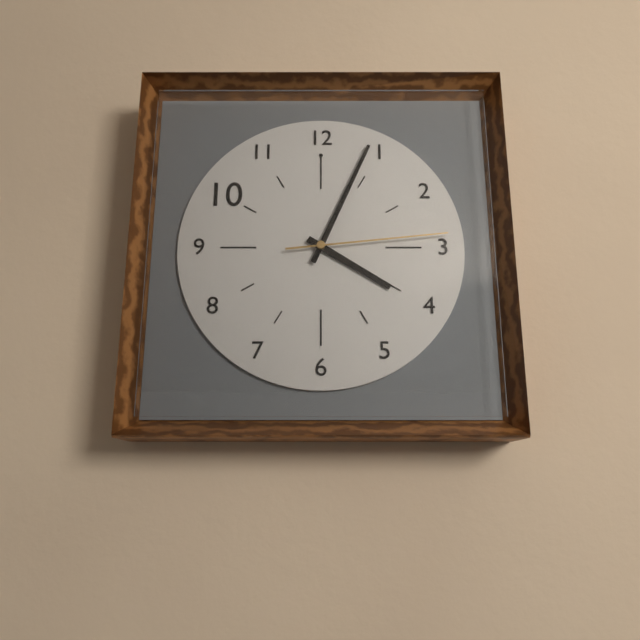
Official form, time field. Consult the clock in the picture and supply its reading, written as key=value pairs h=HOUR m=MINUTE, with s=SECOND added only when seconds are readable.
h=4 m=4 s=14
